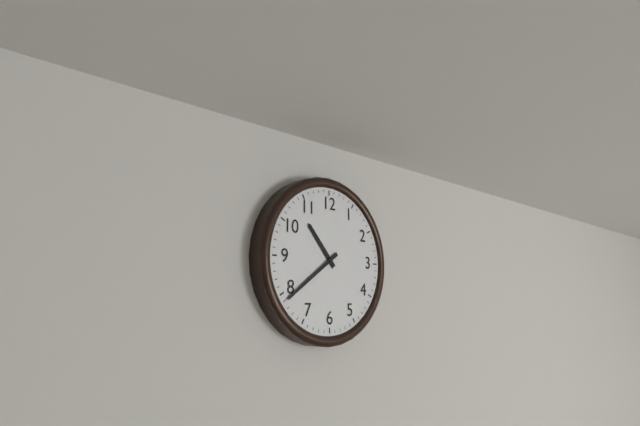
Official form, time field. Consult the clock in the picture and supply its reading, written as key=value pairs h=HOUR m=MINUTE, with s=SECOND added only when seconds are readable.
h=10 m=39
